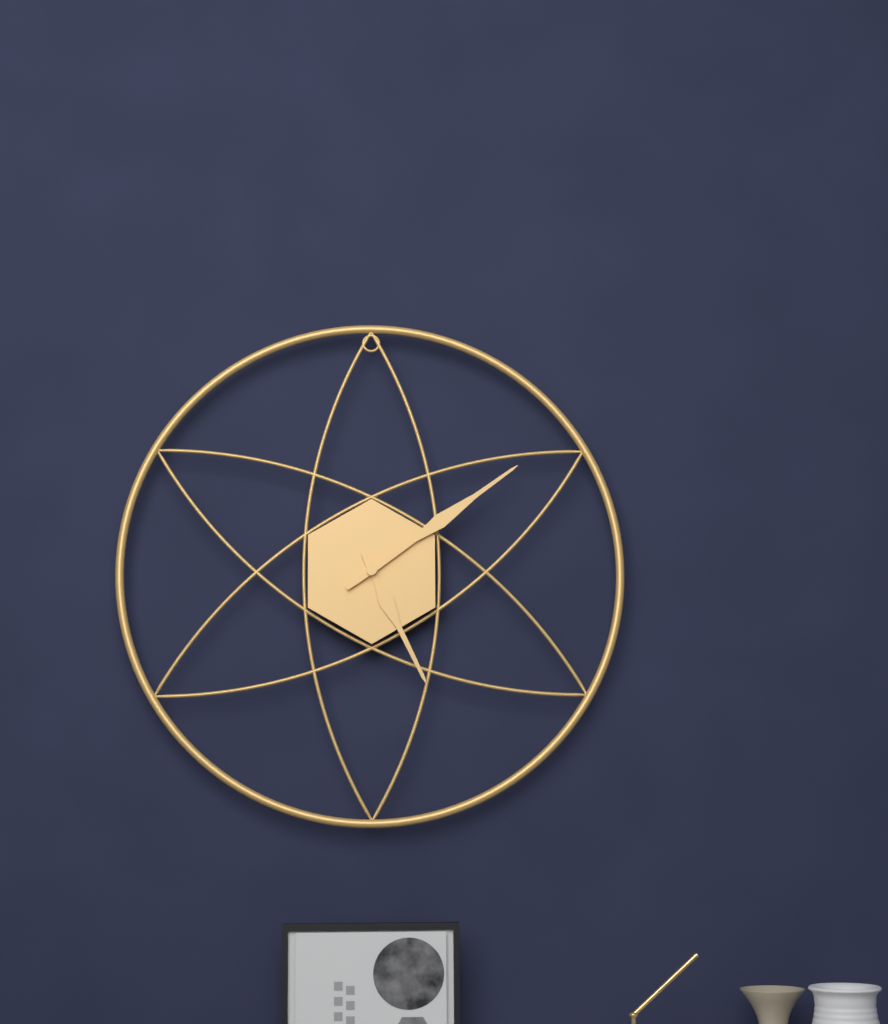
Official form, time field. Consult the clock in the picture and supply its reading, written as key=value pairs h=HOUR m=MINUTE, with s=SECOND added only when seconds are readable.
h=5 m=9
